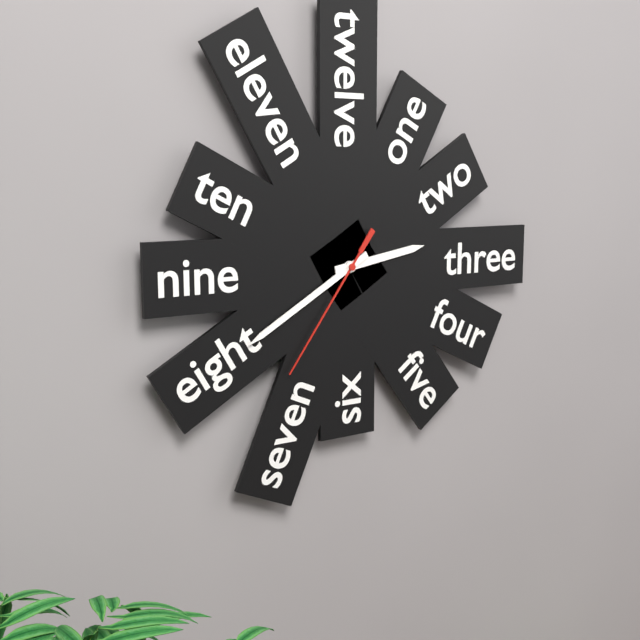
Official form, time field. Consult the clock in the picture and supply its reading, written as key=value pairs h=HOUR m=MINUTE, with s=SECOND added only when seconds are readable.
h=2 m=40 s=36
